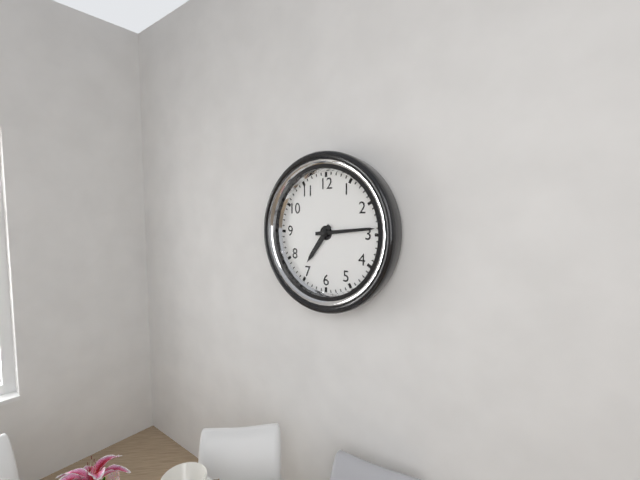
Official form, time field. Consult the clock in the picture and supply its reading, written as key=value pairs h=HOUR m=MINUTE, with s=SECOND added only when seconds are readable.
h=7 m=14
